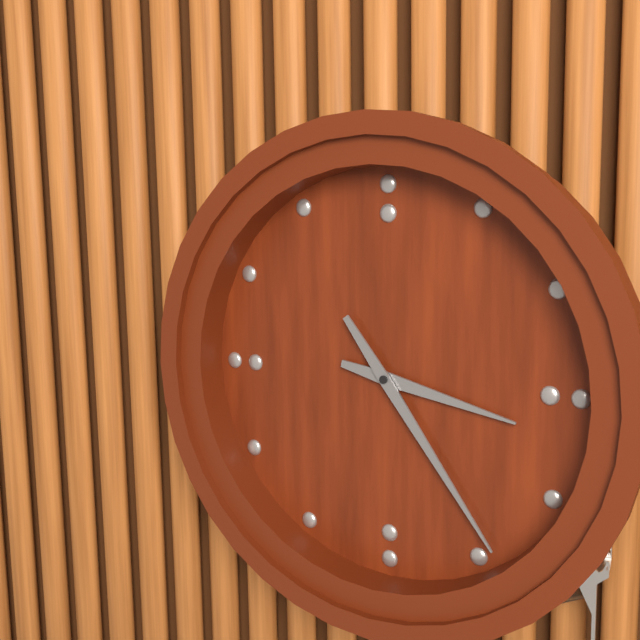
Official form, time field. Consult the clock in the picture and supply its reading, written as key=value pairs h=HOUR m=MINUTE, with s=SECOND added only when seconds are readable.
h=3 m=24
